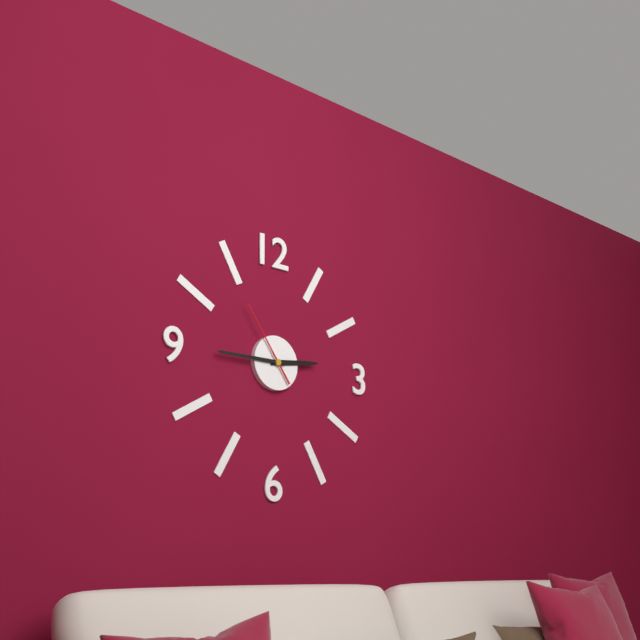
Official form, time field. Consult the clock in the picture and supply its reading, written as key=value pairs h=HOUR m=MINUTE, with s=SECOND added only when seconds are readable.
h=2 m=45 s=54
